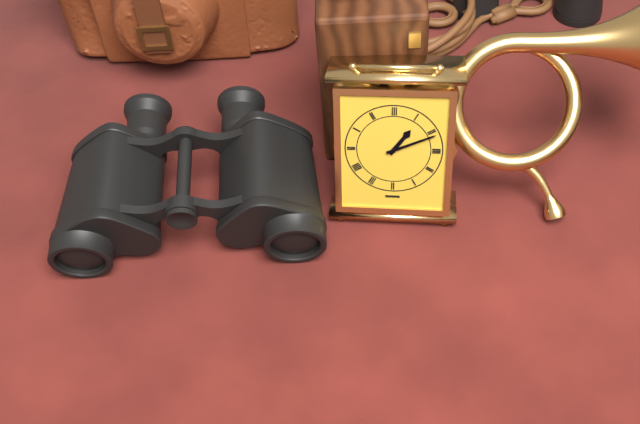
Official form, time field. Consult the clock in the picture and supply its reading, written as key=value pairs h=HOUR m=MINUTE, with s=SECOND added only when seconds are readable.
h=1 m=11
